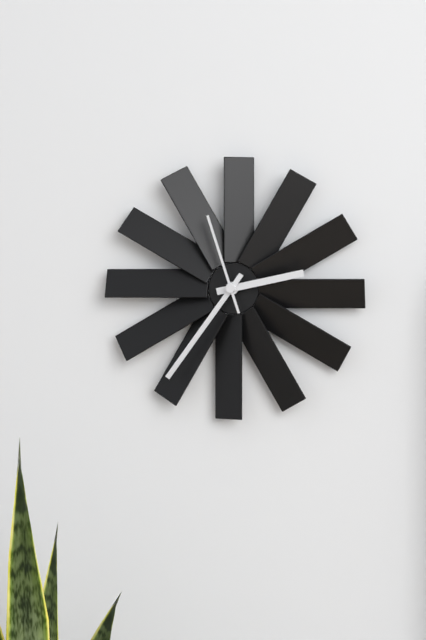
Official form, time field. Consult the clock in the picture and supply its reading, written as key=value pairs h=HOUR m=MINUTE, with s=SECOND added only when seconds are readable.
h=2 m=36 s=57
